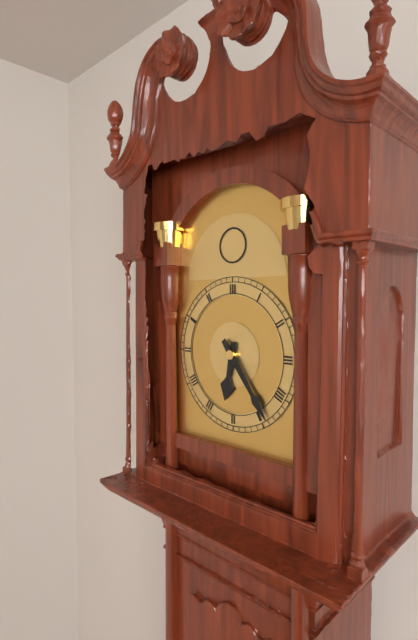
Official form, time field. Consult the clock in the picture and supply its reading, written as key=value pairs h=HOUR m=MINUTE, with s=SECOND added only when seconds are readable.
h=6 m=24
